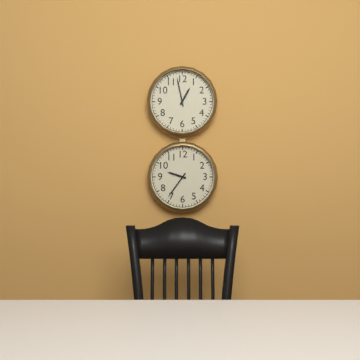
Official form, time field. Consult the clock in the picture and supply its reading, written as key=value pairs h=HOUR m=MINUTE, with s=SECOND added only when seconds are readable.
h=12 m=58
